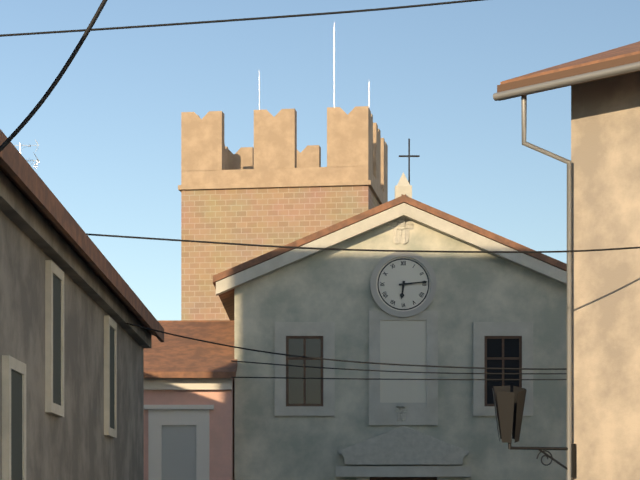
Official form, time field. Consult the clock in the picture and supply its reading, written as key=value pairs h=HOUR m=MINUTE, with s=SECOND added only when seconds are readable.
h=6 m=14
